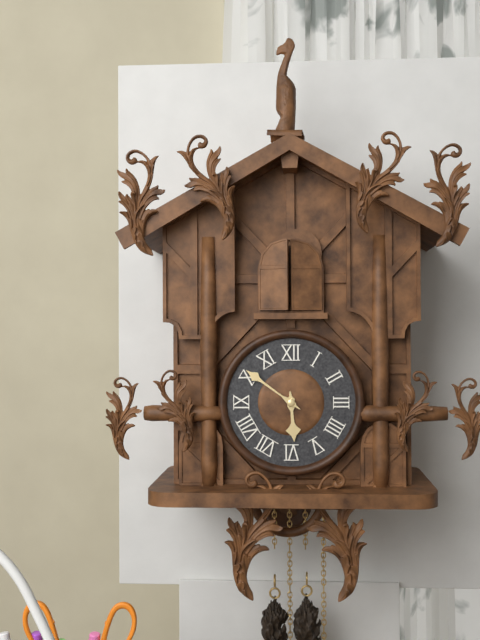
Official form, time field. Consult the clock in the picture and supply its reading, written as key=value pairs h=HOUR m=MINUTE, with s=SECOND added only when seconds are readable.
h=5 m=51
